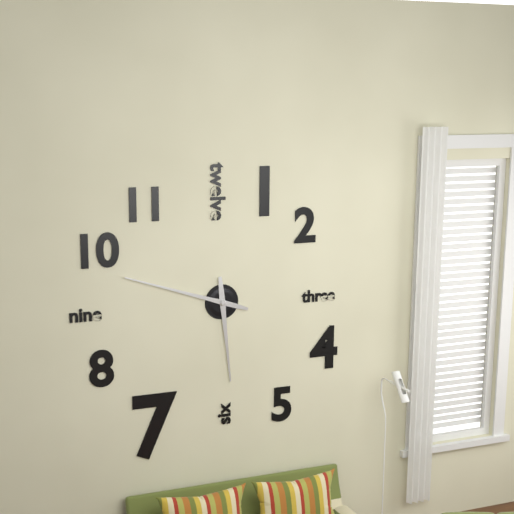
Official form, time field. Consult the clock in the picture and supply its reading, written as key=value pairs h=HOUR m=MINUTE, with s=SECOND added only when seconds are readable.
h=5 m=48
